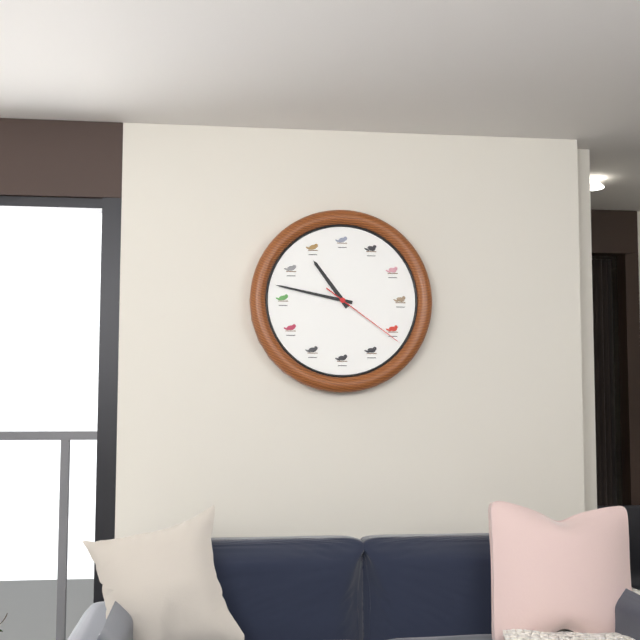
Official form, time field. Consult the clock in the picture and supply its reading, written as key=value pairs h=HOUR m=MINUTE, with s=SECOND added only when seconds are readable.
h=10 m=47 s=21
